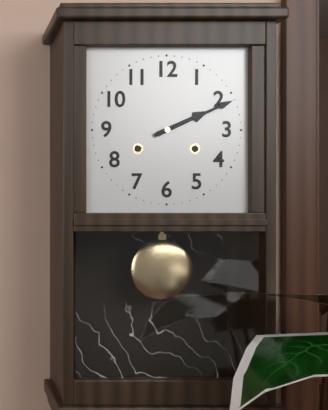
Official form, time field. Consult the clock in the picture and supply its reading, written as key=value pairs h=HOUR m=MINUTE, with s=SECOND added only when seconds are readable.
h=2 m=11
